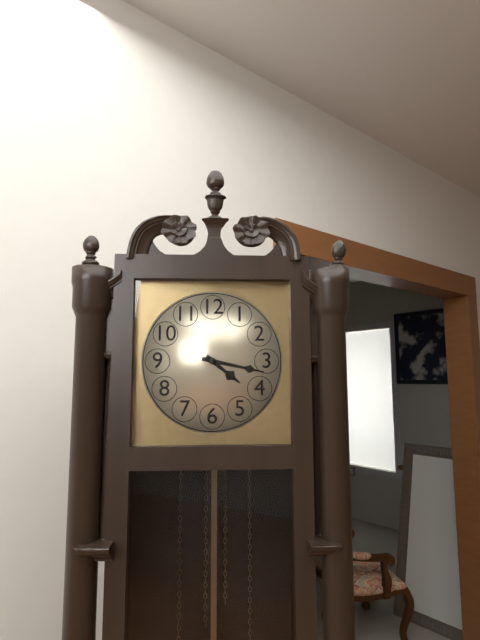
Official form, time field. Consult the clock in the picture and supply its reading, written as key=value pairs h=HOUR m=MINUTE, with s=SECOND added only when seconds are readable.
h=4 m=17
